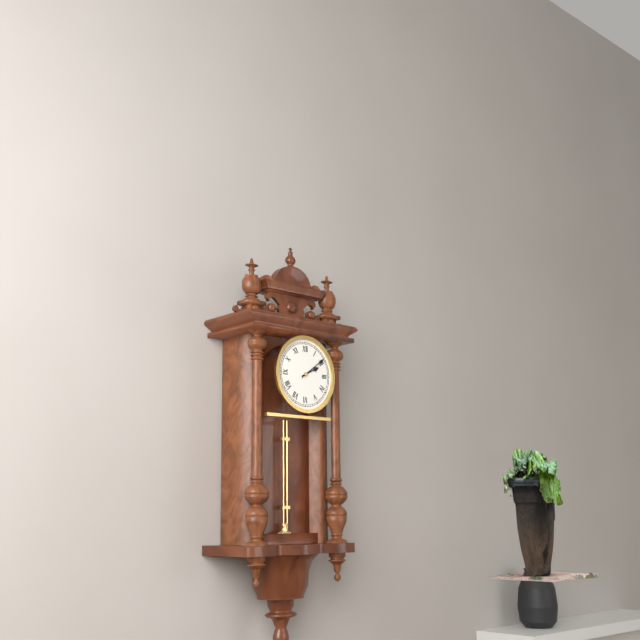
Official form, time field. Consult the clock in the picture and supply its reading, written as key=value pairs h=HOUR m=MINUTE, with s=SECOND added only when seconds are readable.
h=2 m=9
